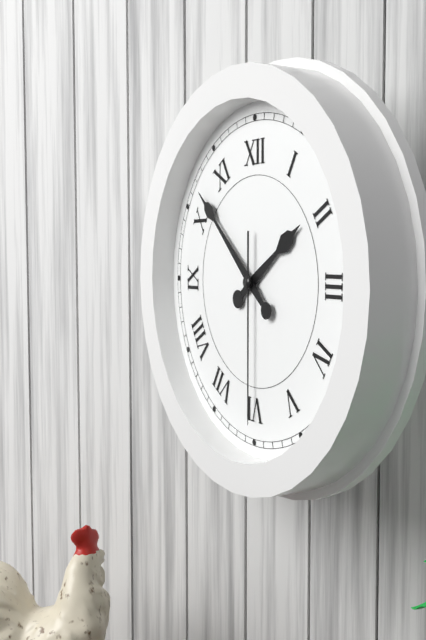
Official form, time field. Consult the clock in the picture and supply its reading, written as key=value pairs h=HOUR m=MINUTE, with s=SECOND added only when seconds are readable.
h=1 m=52 s=30
